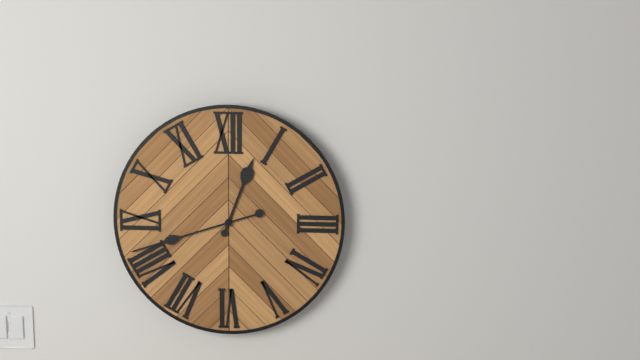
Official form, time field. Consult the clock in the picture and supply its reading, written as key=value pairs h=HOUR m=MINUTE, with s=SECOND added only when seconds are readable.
h=12 m=42
